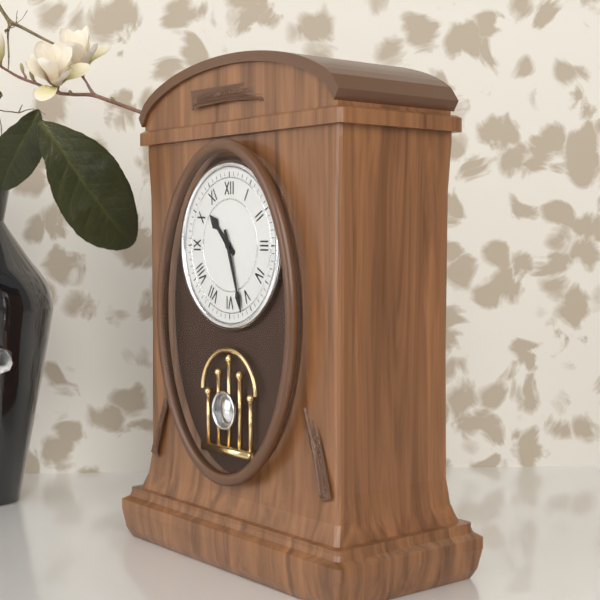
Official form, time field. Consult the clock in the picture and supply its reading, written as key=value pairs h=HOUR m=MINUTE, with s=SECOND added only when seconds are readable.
h=10 m=27
